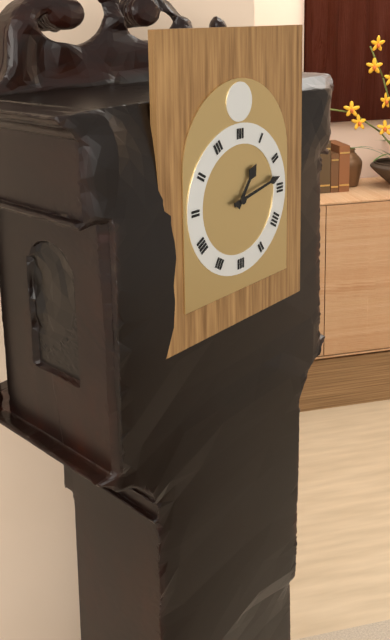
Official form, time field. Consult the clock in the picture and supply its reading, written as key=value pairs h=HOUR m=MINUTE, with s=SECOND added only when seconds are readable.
h=1 m=13
